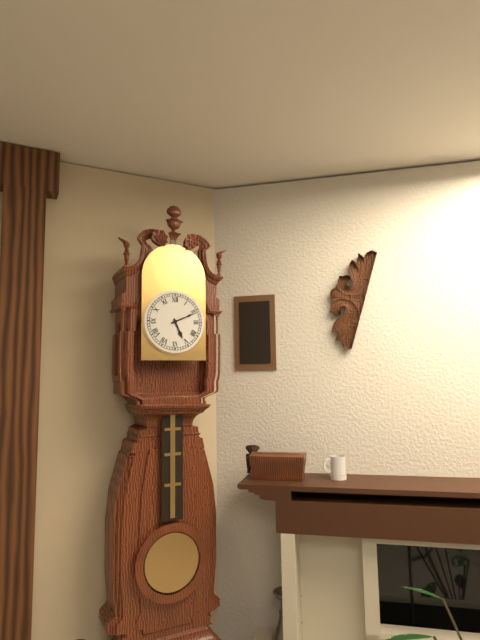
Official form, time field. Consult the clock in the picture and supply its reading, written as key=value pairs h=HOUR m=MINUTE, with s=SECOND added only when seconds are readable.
h=5 m=11
